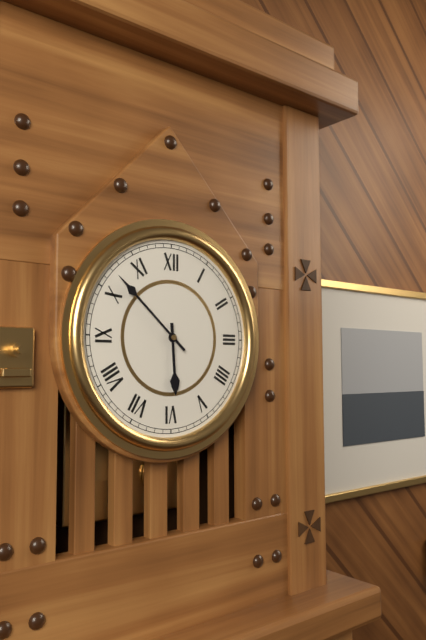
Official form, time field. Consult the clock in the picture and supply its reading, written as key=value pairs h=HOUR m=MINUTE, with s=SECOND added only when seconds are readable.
h=5 m=52
